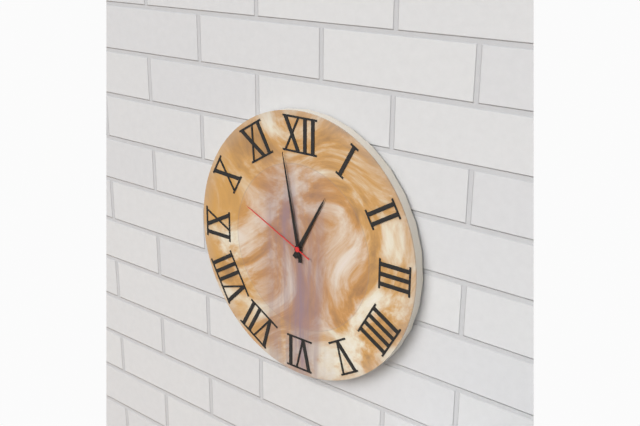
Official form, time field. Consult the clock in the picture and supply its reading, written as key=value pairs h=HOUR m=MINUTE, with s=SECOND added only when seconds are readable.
h=12 m=58 s=49
